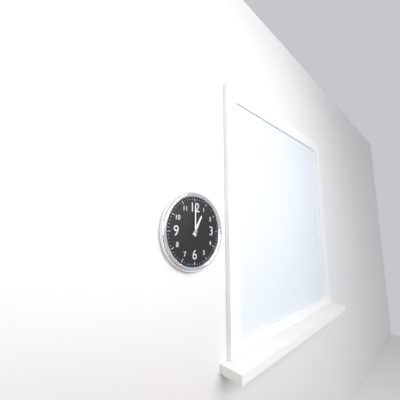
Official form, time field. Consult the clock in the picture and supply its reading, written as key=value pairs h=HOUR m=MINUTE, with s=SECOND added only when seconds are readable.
h=1 m=0
